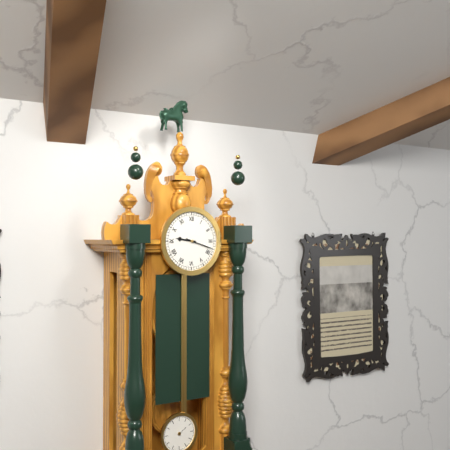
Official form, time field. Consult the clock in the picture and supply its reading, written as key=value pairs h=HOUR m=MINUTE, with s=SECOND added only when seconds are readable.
h=9 m=18
